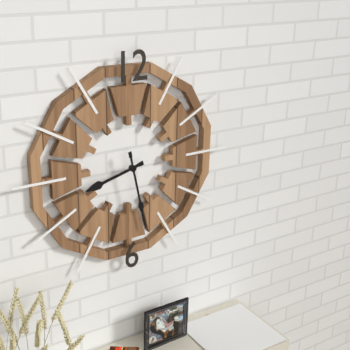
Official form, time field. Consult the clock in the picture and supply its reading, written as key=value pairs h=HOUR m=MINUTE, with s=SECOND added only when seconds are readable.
h=8 m=28
